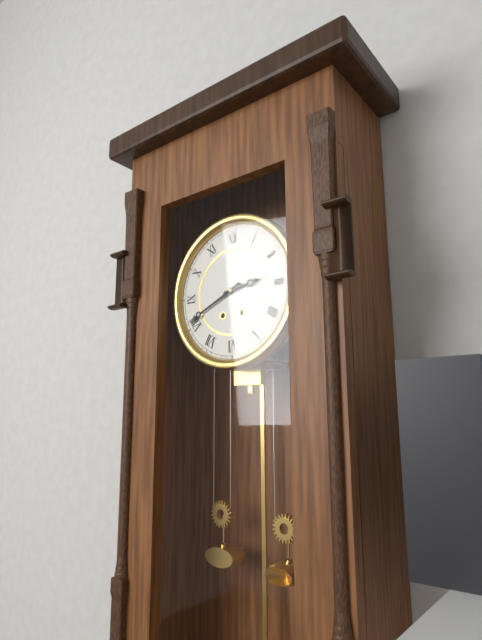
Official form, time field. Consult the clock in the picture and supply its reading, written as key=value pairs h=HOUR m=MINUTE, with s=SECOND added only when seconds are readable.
h=2 m=41
